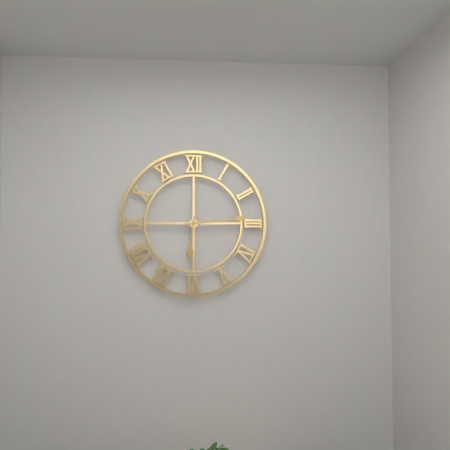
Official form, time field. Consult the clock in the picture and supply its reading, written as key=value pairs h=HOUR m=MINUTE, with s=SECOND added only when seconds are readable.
h=6 m=14
